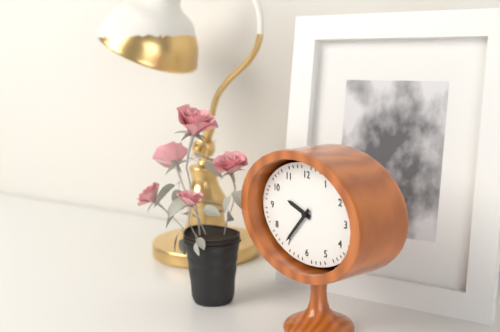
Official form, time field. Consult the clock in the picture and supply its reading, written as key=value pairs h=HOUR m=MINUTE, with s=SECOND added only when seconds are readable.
h=9 m=37
